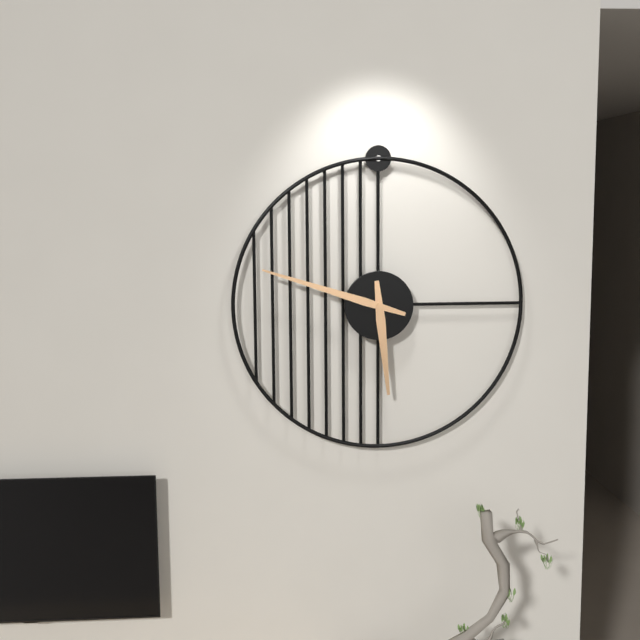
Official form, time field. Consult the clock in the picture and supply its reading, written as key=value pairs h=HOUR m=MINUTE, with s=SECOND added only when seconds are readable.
h=5 m=48
